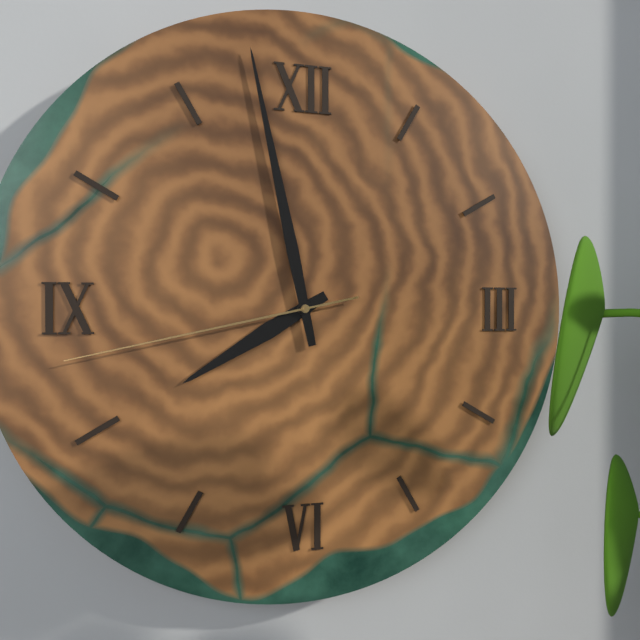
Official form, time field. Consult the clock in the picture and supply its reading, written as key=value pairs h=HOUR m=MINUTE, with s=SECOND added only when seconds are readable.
h=7 m=58 s=43
